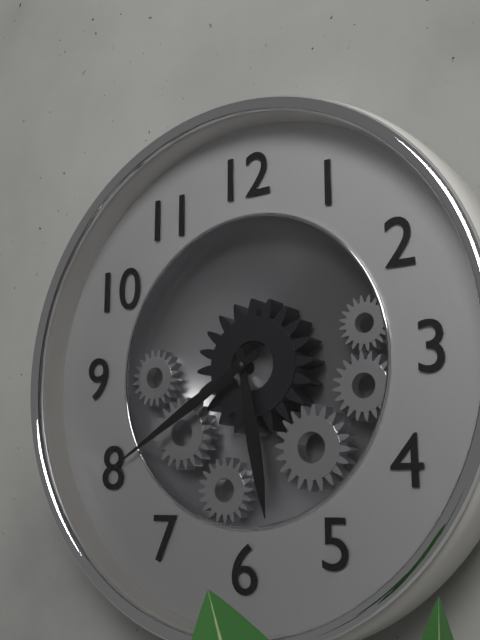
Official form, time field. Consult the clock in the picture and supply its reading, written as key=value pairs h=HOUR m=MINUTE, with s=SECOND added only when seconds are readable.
h=5 m=40
